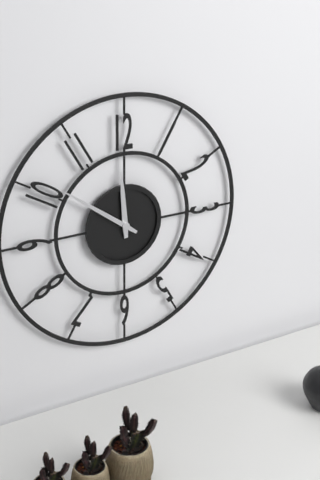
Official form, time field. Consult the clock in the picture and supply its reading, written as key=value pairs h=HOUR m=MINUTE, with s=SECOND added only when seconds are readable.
h=11 m=51
